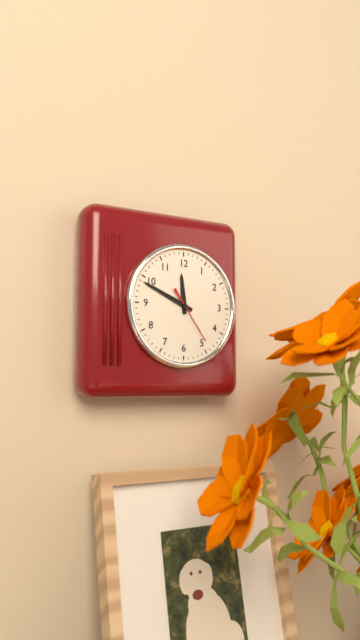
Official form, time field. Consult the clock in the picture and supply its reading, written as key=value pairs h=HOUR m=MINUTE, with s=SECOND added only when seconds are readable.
h=11 m=49 s=24
